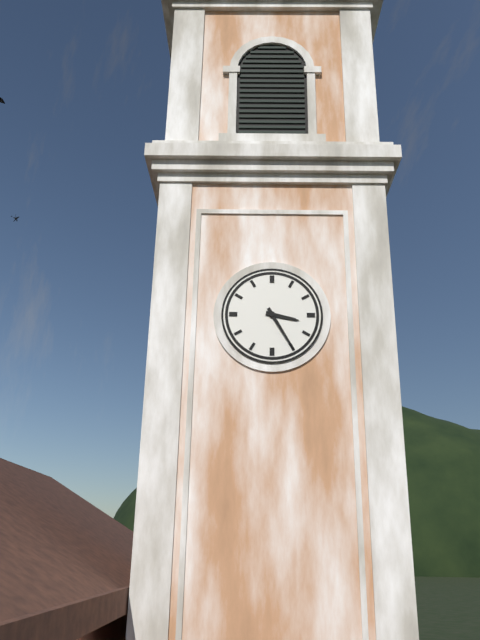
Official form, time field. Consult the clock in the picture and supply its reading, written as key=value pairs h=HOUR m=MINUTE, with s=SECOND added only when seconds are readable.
h=3 m=25
